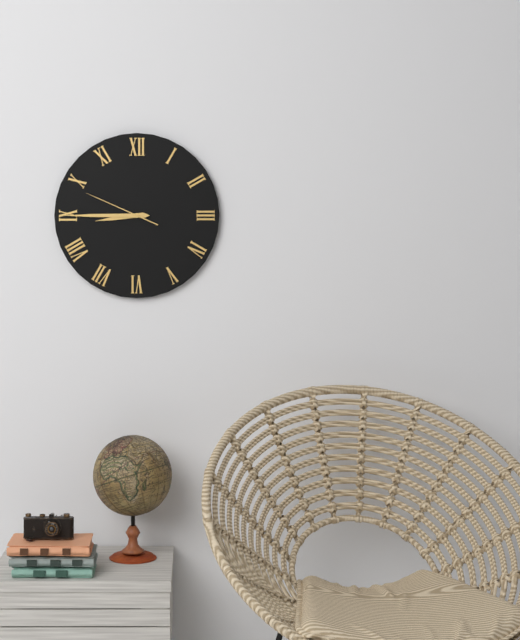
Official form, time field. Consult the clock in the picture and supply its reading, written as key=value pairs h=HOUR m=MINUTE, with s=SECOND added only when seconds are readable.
h=8 m=45 s=49
